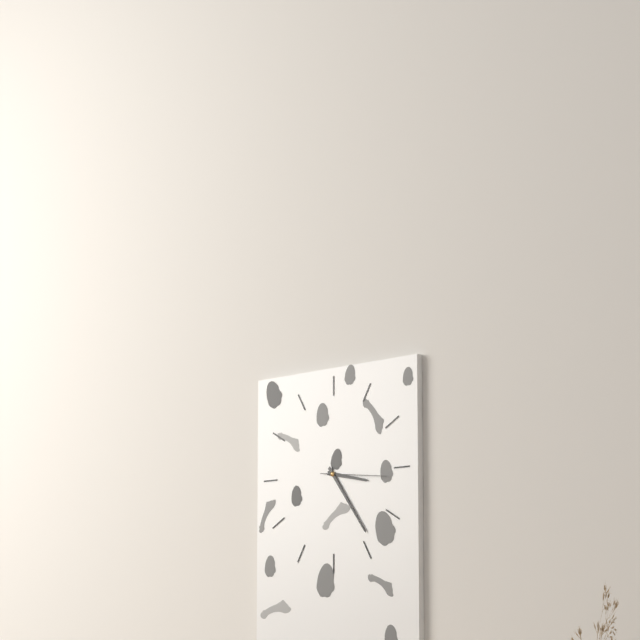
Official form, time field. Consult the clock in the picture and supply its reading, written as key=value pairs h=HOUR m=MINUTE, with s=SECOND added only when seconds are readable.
h=3 m=24 s=16
